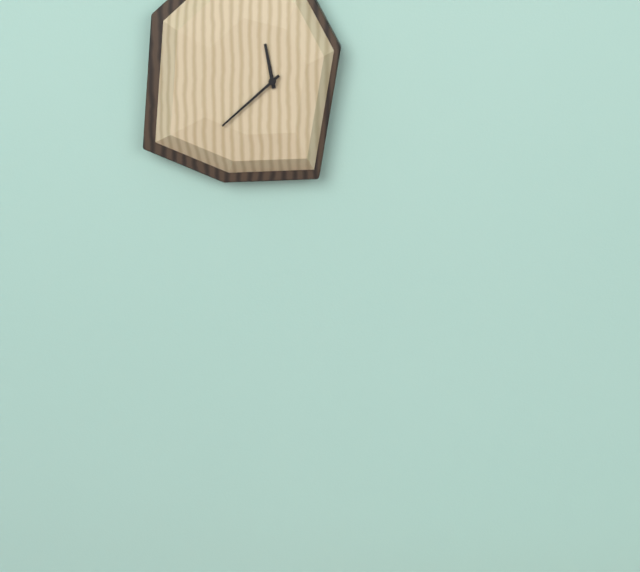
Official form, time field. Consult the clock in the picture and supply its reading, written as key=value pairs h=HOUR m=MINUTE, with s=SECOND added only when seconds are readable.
h=11 m=38
